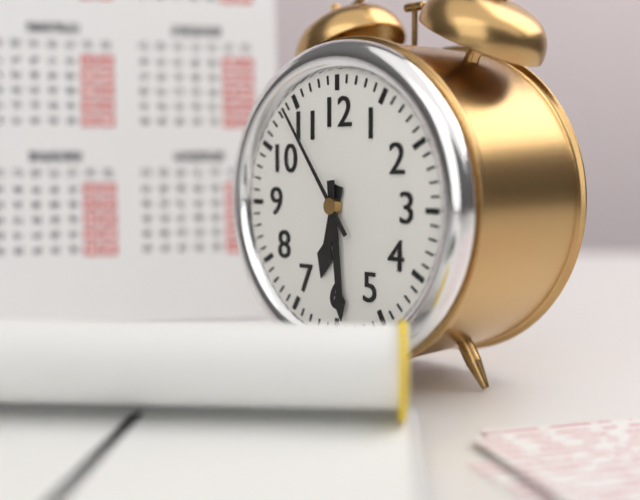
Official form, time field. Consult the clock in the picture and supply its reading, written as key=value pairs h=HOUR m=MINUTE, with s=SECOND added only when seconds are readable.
h=6 m=29 s=54
